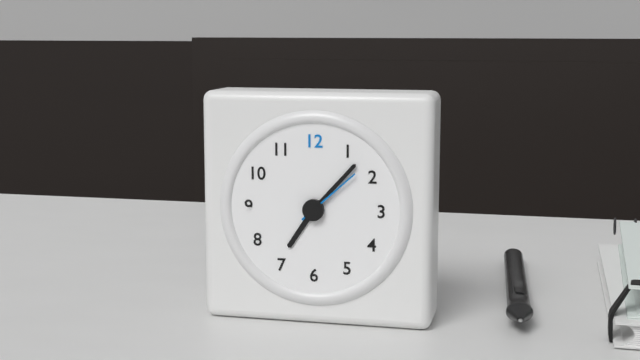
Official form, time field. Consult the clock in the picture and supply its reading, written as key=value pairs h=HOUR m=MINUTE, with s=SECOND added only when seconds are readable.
h=7 m=7 s=8
